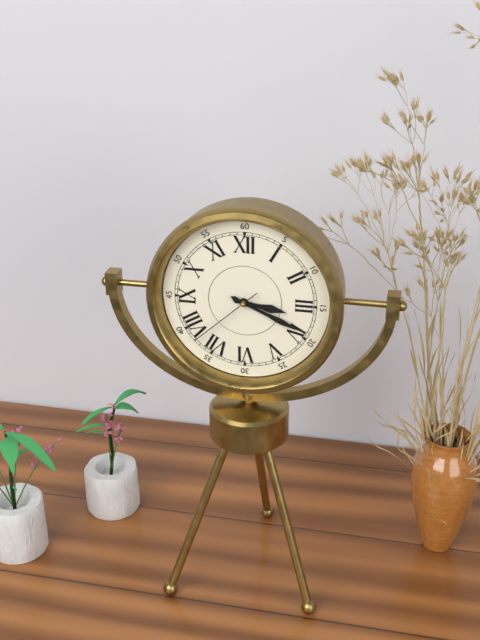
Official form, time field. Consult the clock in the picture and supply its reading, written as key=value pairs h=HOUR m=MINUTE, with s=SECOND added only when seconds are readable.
h=3 m=19 s=38
